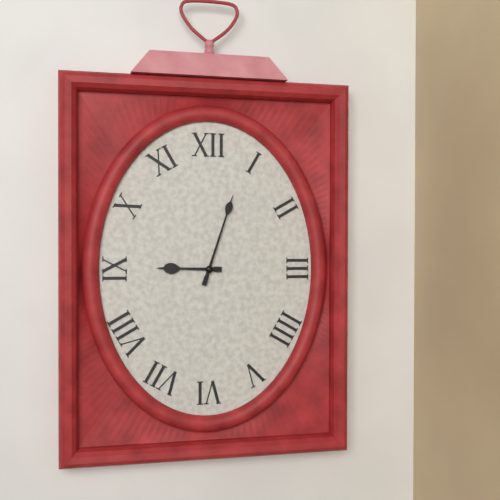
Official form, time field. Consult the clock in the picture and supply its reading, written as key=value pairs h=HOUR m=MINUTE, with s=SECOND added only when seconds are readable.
h=9 m=3
